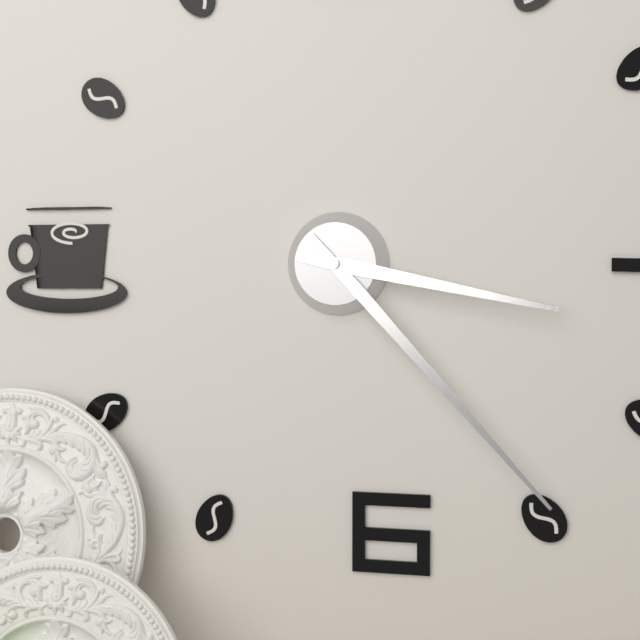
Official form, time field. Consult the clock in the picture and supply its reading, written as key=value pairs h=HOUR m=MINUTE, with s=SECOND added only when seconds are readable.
h=3 m=23
